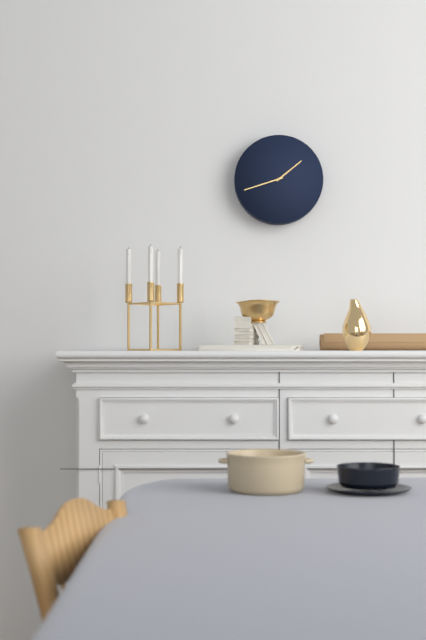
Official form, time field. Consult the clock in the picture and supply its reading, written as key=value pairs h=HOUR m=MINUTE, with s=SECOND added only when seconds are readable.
h=1 m=42
